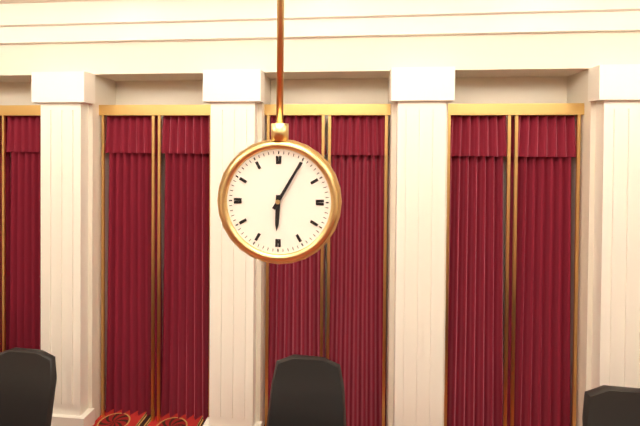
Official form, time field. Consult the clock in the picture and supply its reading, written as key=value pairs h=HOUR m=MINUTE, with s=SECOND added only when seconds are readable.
h=6 m=5
